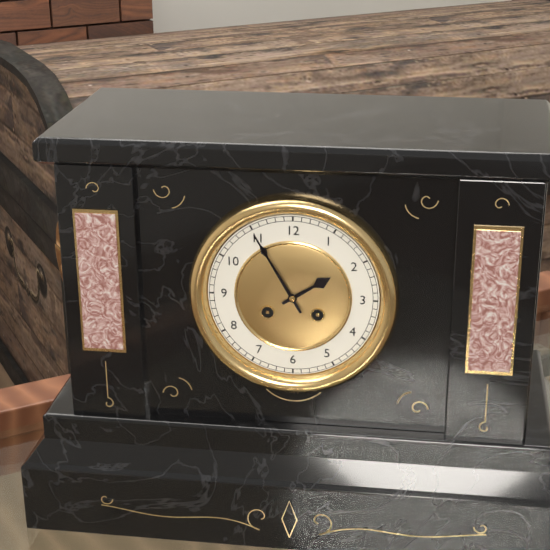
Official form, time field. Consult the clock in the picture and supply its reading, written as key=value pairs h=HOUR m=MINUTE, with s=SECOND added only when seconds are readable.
h=1 m=55
